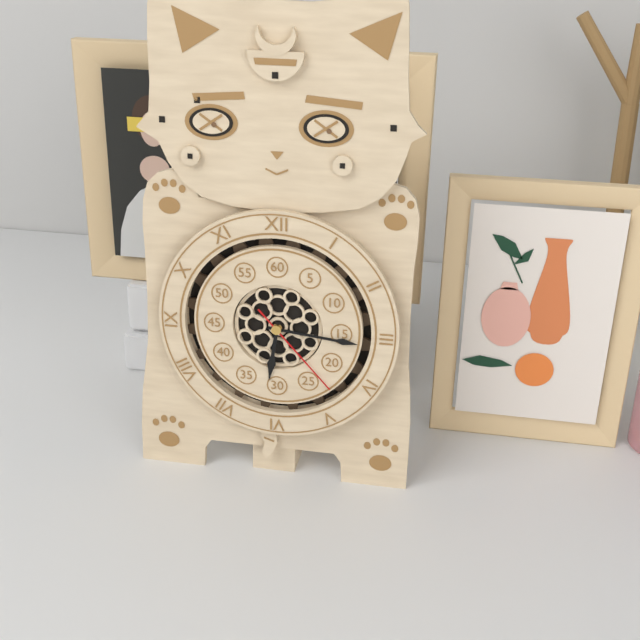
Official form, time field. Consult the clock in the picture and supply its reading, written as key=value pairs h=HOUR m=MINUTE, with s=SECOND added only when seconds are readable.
h=6 m=16 s=23
